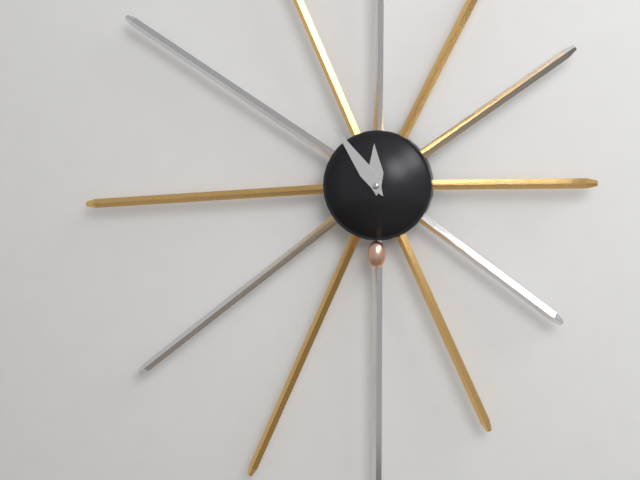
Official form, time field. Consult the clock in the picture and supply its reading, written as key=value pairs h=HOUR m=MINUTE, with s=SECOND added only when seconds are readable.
h=11 m=54
